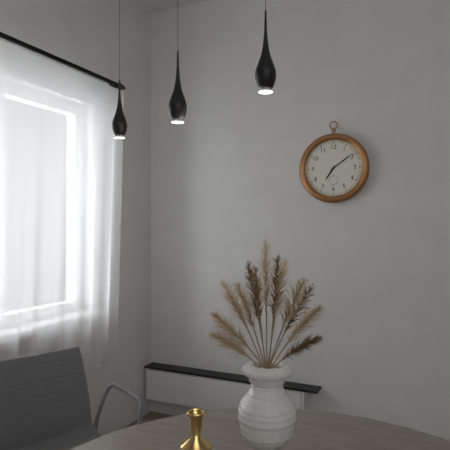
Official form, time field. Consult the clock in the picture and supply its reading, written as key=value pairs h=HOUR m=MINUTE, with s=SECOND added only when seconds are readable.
h=7 m=9
